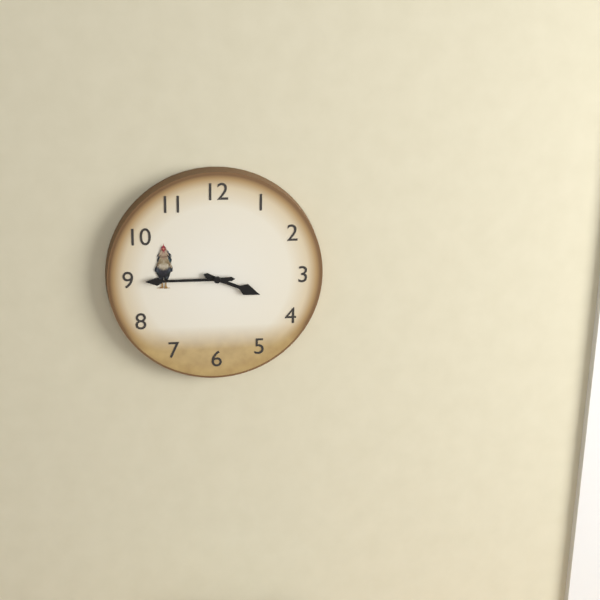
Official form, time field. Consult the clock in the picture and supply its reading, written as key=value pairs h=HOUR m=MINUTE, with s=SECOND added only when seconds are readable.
h=3 m=45
